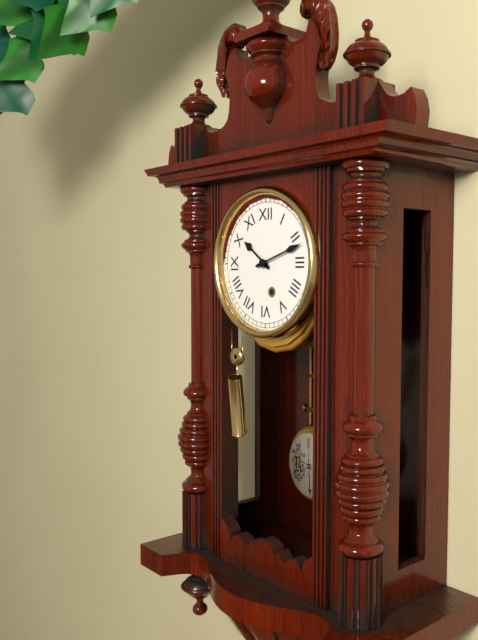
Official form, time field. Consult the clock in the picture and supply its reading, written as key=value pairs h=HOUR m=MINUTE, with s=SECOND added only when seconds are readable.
h=10 m=12
